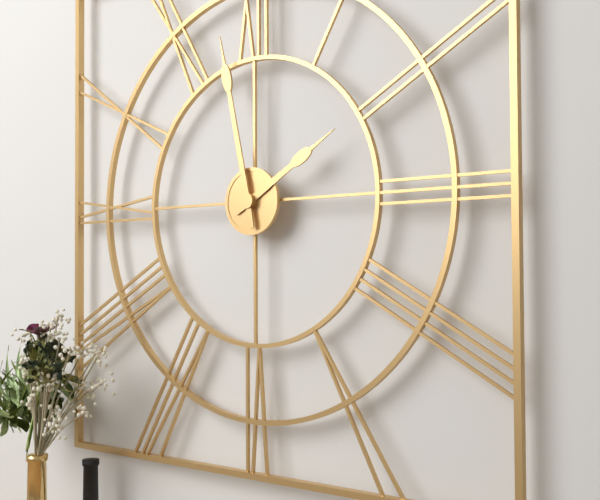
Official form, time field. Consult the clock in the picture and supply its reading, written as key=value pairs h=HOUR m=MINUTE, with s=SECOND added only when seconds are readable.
h=1 m=58
